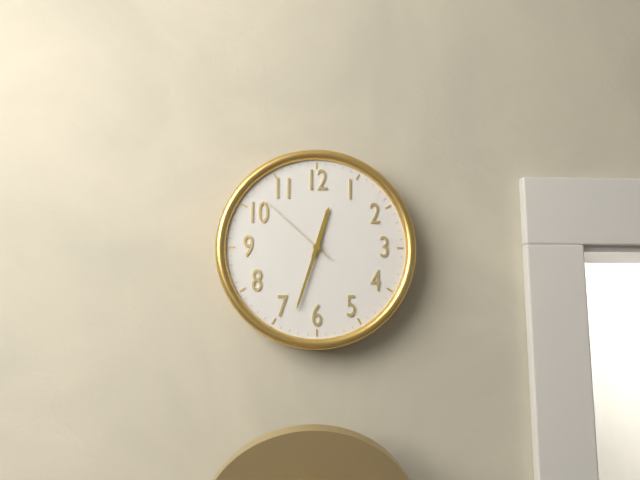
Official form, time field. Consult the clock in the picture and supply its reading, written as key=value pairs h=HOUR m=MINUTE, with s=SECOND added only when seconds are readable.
h=12 m=33 s=52
